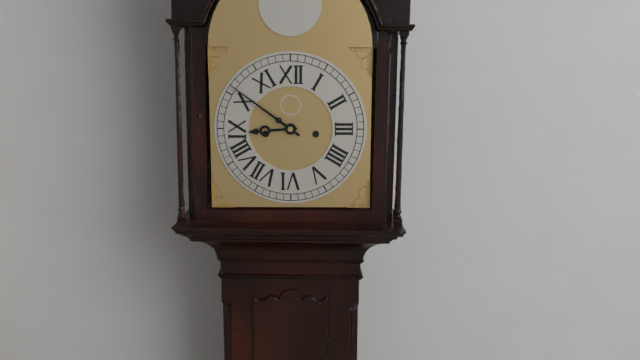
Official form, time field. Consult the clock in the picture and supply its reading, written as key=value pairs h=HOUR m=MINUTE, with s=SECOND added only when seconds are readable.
h=8 m=51
